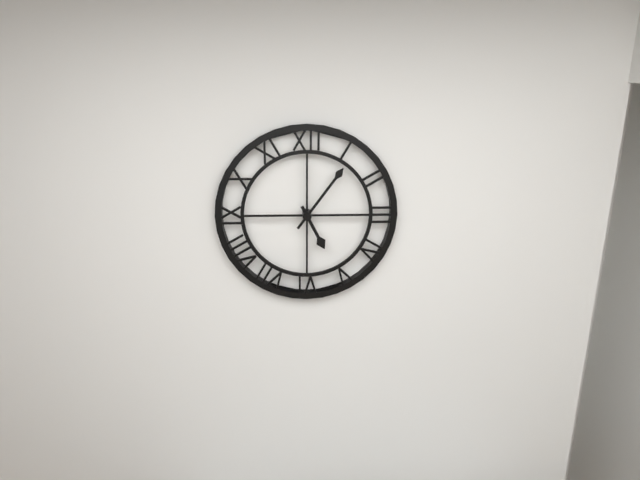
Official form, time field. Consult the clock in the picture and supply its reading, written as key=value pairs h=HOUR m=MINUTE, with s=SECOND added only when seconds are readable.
h=5 m=6
